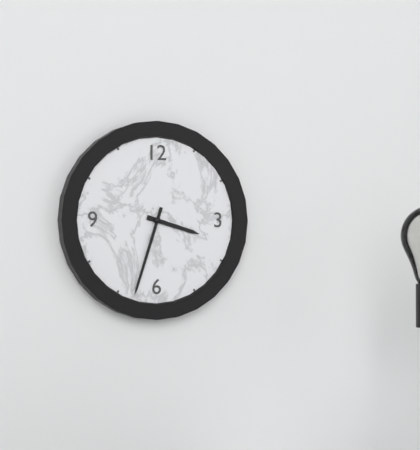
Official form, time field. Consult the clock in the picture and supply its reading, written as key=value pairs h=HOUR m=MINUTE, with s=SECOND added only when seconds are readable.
h=3 m=33
